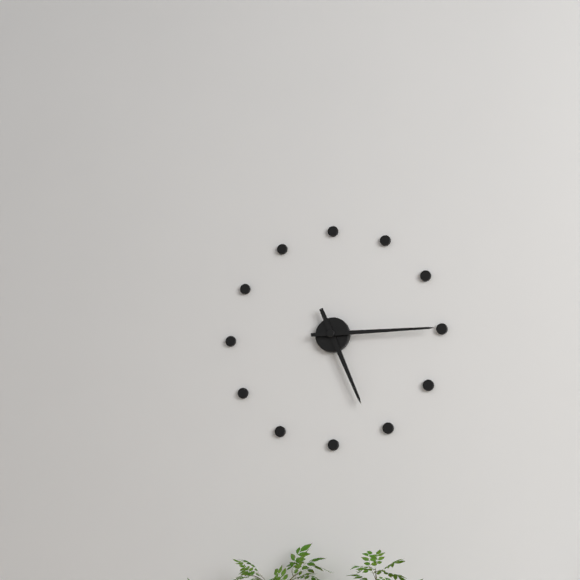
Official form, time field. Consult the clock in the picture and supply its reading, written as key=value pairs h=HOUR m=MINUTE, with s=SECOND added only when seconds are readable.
h=5 m=15
